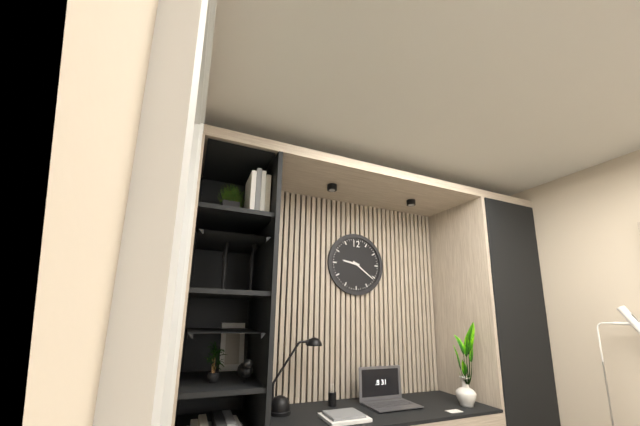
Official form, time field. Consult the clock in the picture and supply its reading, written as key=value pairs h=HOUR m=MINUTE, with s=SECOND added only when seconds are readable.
h=9 m=21
